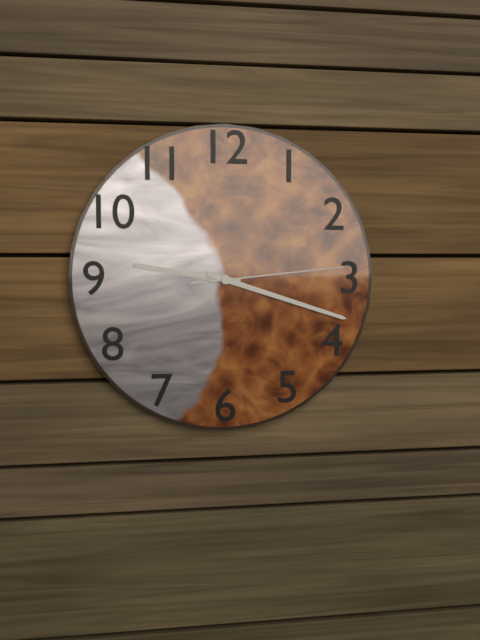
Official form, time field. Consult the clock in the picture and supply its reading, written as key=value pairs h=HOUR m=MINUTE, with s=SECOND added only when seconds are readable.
h=9 m=18 s=14
